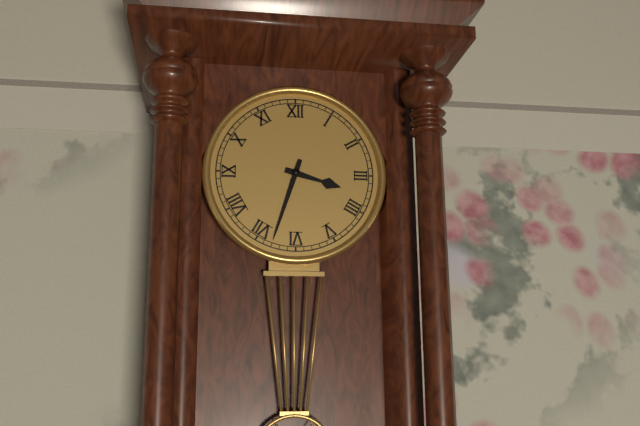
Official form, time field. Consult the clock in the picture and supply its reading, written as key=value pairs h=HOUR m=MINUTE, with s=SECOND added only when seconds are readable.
h=3 m=33
